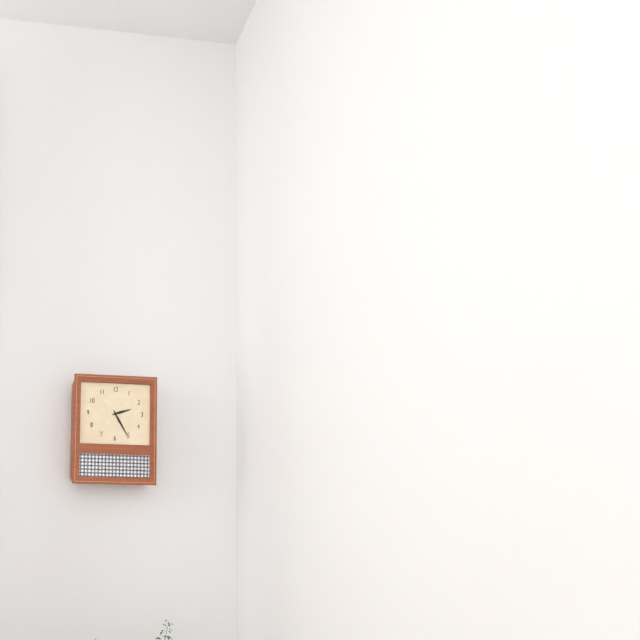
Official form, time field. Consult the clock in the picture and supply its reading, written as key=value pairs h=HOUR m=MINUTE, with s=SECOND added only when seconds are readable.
h=2 m=25
